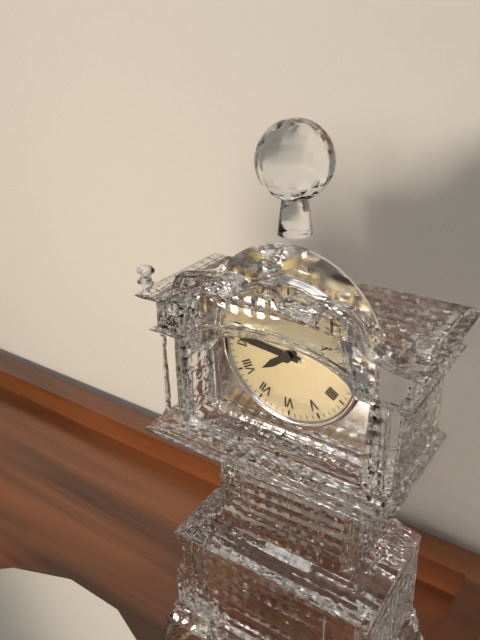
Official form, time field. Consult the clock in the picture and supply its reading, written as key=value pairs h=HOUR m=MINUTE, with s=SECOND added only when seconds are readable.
h=7 m=46
